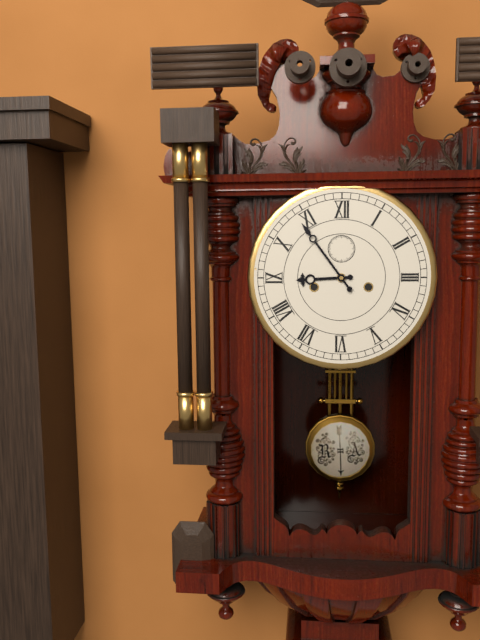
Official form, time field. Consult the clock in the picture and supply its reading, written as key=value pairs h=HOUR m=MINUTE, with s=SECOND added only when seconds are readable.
h=8 m=54
